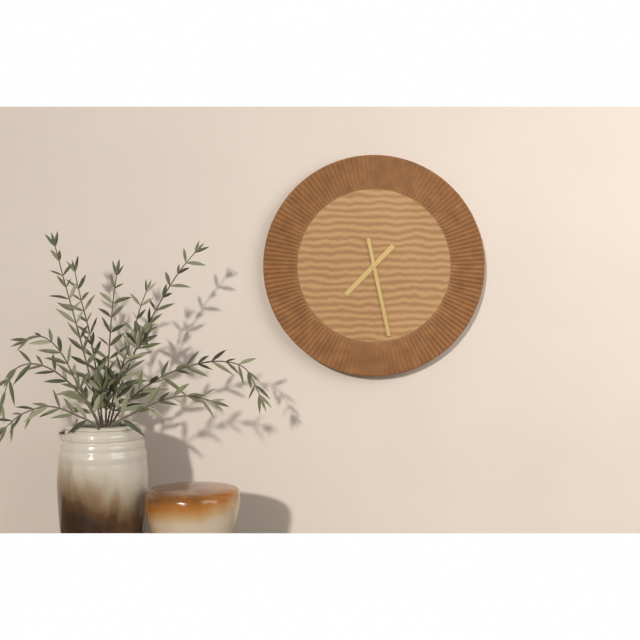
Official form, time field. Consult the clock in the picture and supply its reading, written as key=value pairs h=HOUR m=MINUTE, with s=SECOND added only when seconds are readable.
h=7 m=28
